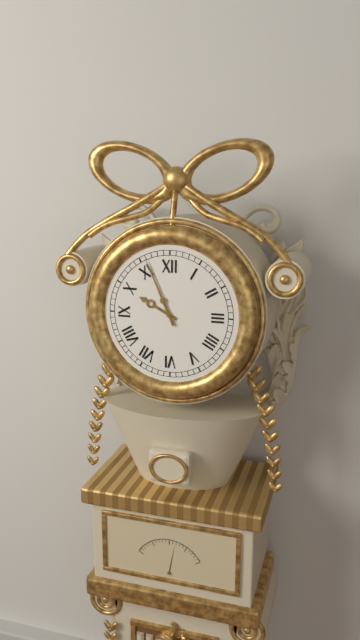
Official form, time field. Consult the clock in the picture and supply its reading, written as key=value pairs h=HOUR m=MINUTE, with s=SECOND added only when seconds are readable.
h=9 m=56
